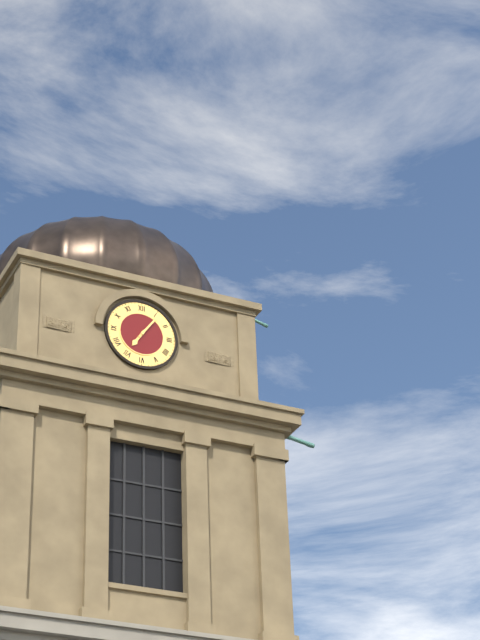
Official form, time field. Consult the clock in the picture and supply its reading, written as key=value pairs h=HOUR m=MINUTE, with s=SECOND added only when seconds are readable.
h=7 m=6
